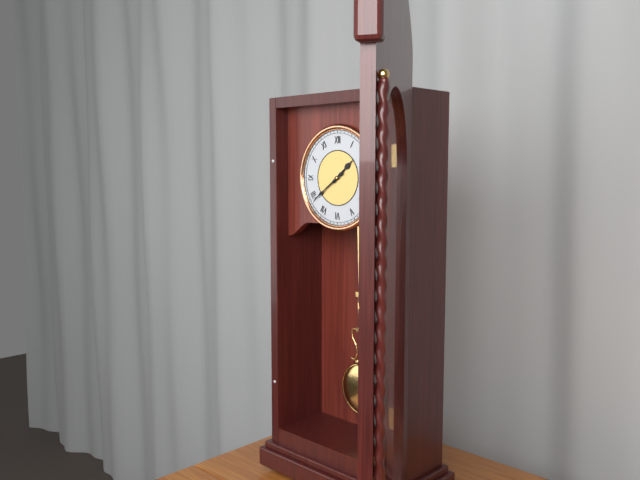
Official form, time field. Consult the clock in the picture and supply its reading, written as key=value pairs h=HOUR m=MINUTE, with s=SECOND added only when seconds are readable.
h=1 m=39
